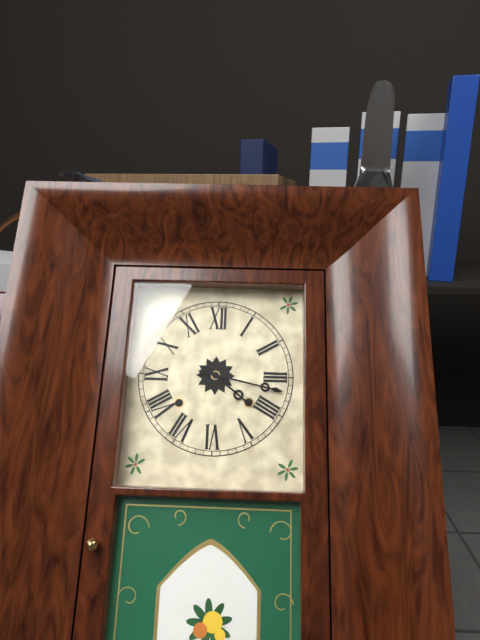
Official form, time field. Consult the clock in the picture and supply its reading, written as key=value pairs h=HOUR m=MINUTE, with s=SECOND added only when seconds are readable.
h=4 m=17
